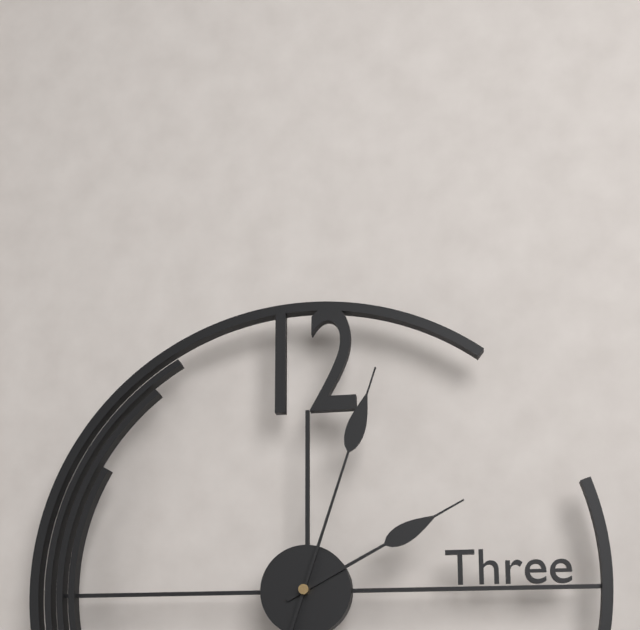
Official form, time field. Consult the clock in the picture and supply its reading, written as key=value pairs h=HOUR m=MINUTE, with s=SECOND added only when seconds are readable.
h=2 m=3
